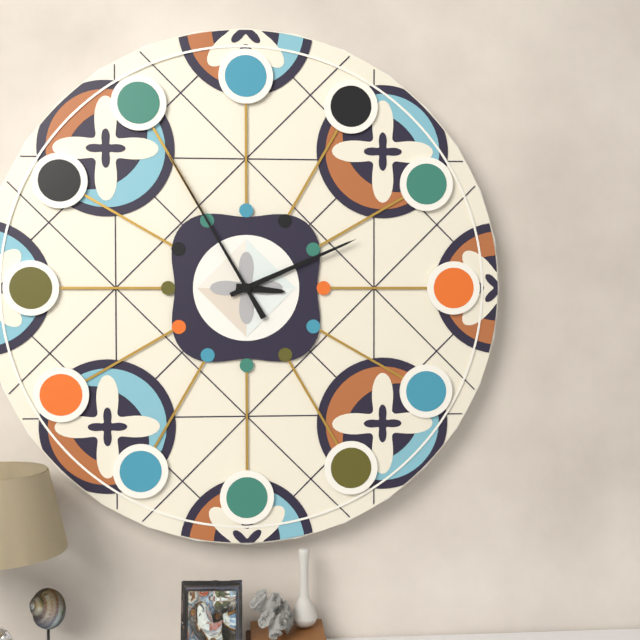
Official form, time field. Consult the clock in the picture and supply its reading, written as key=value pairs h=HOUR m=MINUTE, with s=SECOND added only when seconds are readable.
h=3 m=11 s=55
